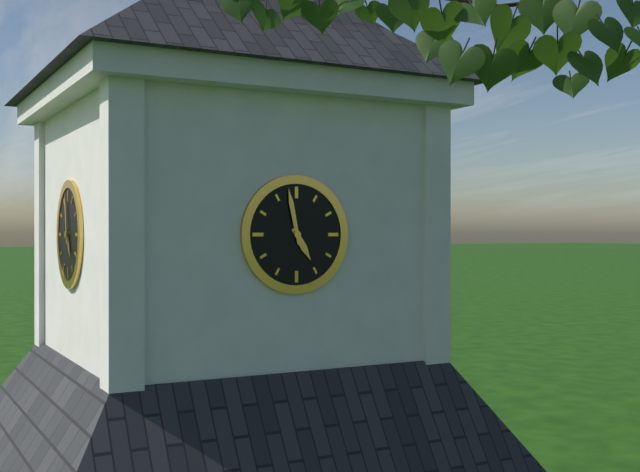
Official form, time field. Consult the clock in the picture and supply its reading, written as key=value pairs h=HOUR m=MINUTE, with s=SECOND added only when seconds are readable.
h=4 m=58
